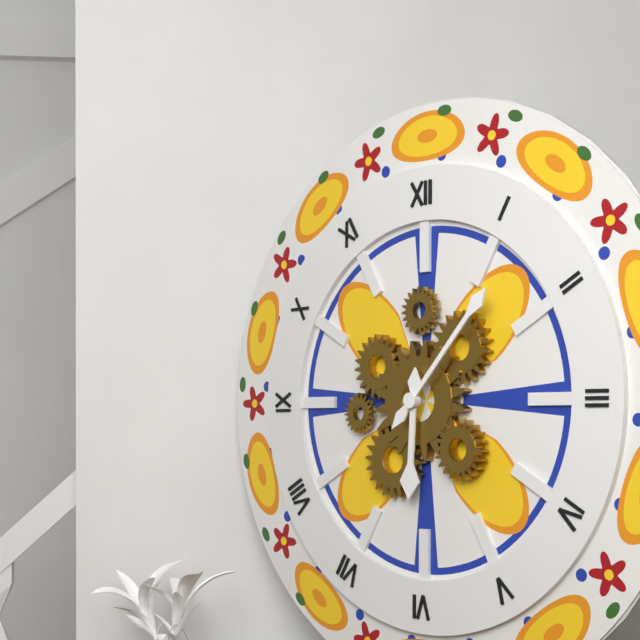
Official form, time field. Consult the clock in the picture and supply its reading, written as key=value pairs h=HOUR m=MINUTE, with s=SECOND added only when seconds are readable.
h=6 m=7
